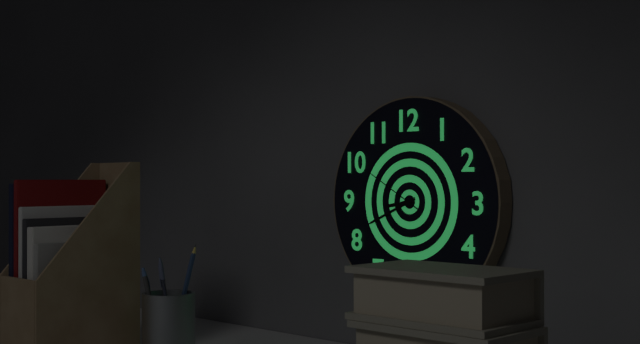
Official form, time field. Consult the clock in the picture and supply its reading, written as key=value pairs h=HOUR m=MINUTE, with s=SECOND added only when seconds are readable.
h=8 m=41 s=50
